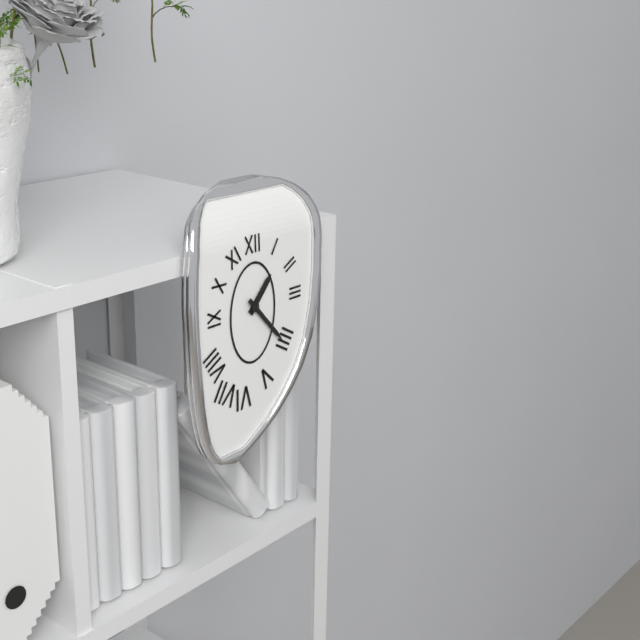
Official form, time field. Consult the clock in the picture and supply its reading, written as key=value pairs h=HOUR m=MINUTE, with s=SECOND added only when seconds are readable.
h=1 m=23
